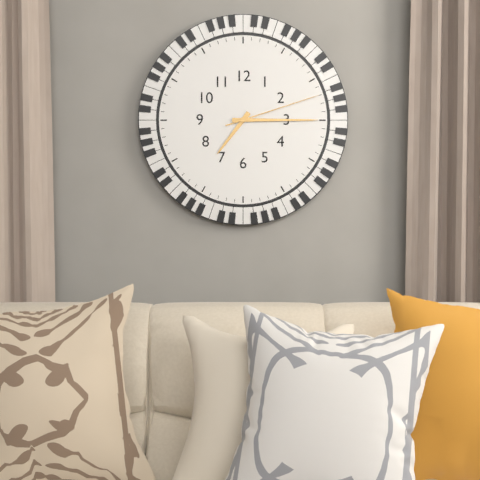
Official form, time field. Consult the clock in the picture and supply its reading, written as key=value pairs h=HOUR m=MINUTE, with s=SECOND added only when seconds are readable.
h=7 m=15 s=12
